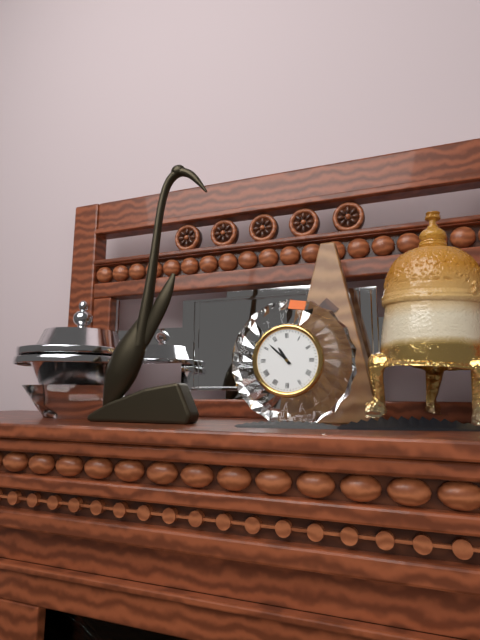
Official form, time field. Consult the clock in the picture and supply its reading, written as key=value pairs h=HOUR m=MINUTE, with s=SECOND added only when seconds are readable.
h=10 m=52
